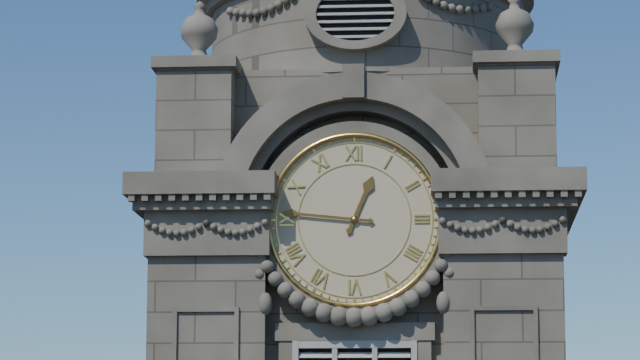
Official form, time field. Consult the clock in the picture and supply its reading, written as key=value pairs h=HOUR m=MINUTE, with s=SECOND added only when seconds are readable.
h=12 m=46
